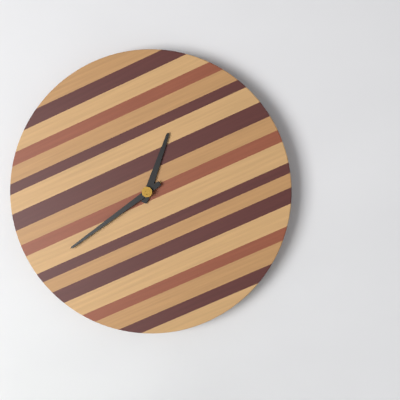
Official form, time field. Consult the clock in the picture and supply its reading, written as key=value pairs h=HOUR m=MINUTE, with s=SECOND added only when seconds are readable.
h=12 m=39
